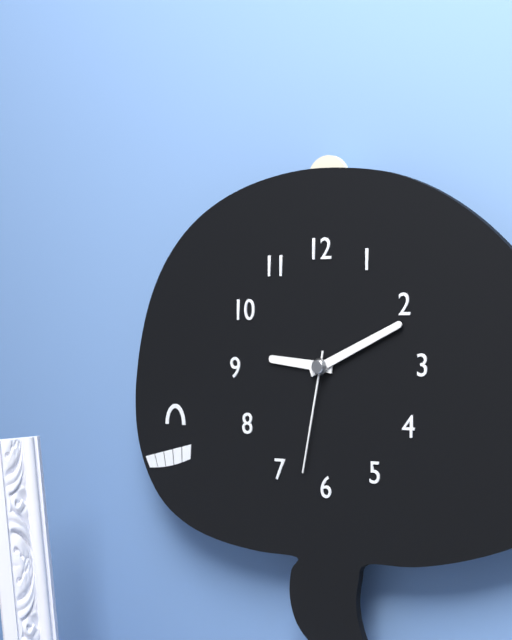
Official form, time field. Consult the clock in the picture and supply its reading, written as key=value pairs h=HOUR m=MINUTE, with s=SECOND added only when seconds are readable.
h=9 m=11 s=32
